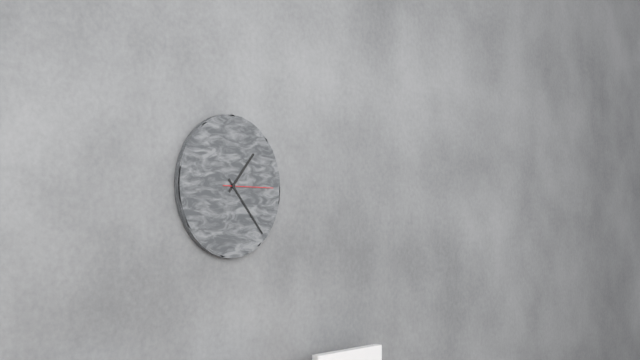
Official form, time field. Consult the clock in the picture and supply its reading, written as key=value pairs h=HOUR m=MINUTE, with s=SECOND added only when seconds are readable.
h=1 m=23
